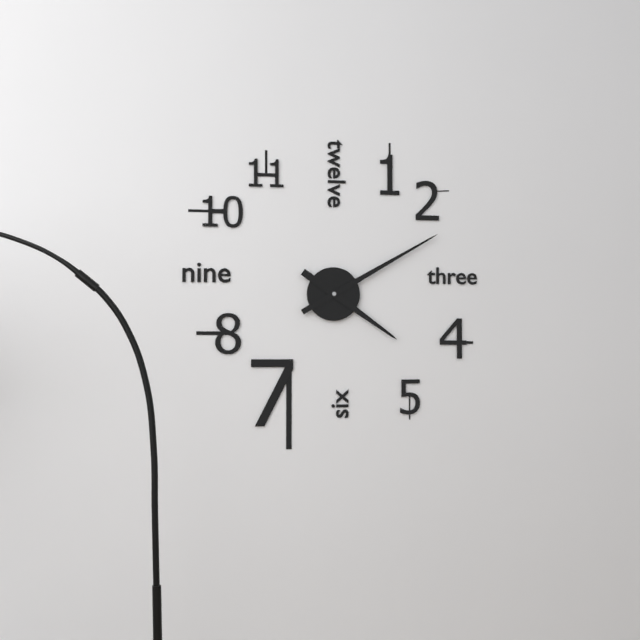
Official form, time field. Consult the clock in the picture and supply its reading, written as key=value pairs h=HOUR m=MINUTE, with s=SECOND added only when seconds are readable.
h=4 m=10
